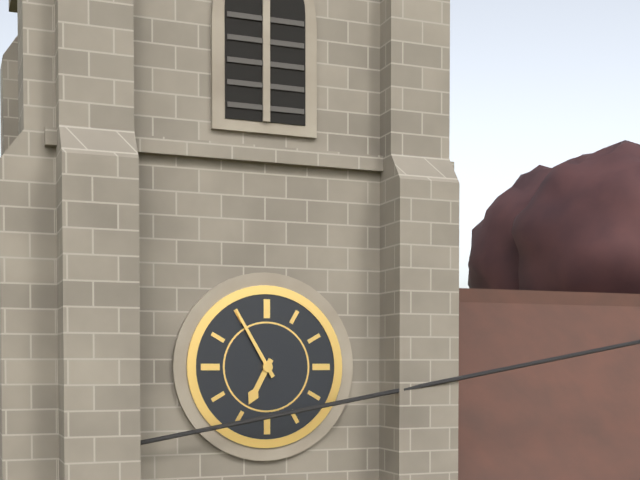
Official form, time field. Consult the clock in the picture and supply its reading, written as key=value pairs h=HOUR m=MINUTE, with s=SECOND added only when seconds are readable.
h=6 m=55
